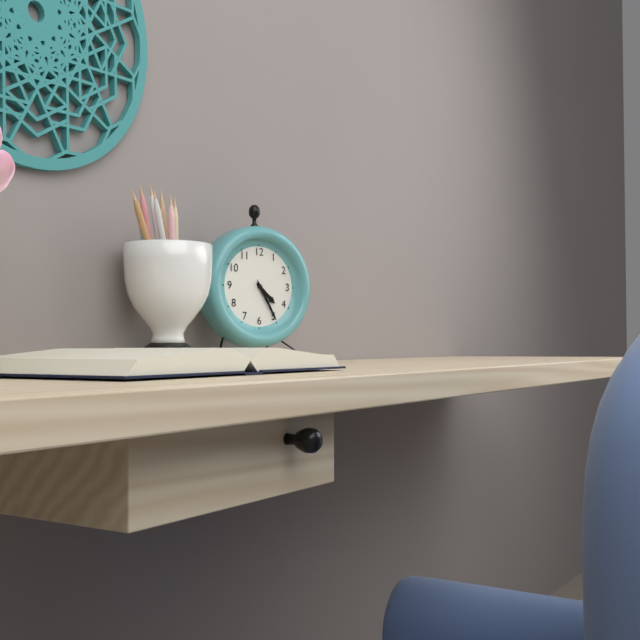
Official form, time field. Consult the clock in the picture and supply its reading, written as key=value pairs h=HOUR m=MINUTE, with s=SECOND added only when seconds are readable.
h=4 m=25
